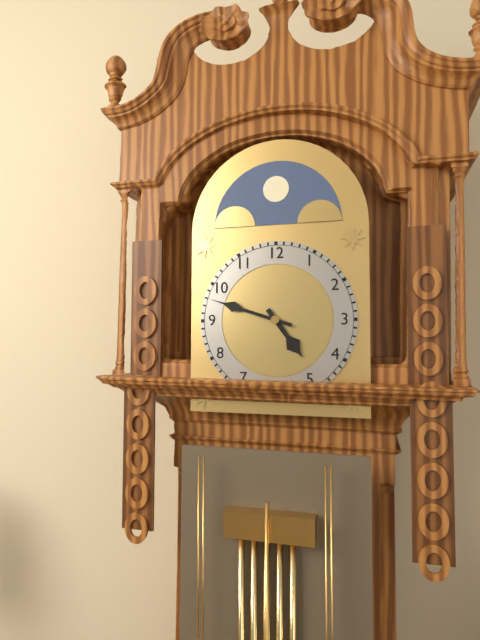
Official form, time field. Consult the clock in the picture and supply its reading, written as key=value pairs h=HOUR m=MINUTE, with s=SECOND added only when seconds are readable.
h=4 m=48
